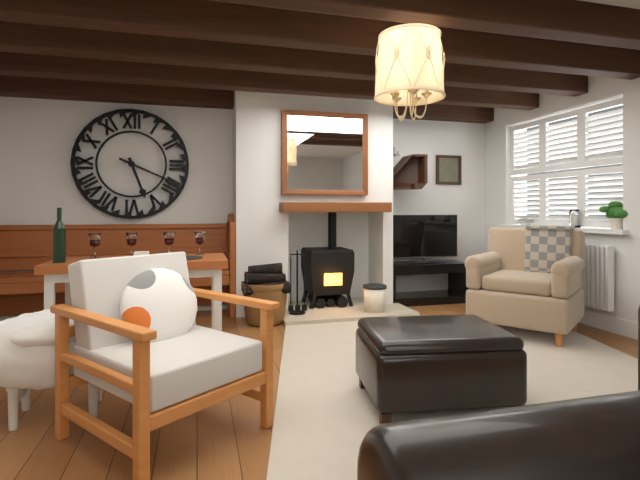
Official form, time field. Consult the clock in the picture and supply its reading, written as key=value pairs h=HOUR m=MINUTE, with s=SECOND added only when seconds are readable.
h=5 m=19
